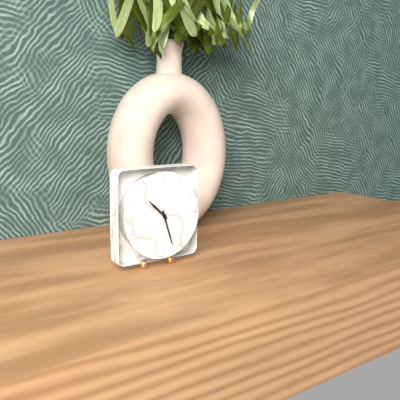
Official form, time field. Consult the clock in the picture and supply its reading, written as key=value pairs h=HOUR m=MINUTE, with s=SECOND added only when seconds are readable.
h=10 m=27
